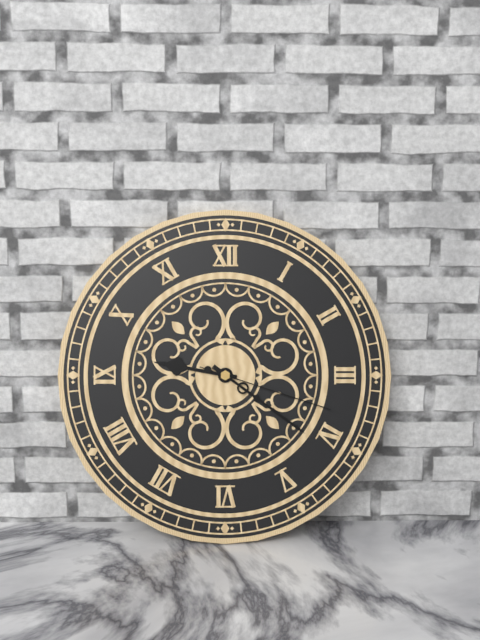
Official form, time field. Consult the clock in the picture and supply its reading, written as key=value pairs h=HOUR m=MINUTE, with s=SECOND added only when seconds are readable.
h=9 m=21 s=18
